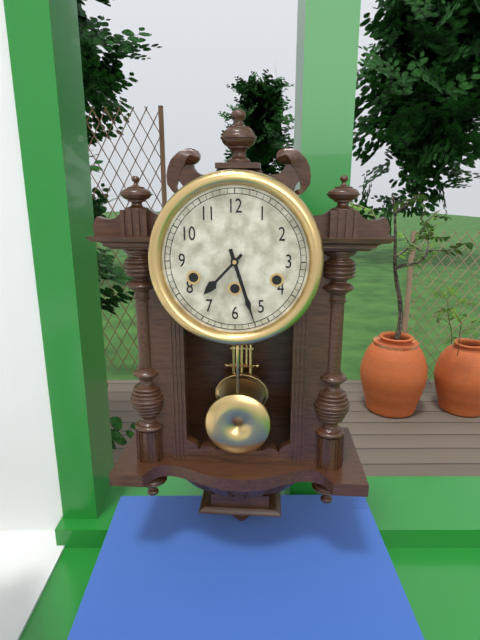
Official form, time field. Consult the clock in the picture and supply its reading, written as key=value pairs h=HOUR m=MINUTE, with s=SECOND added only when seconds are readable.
h=7 m=27
